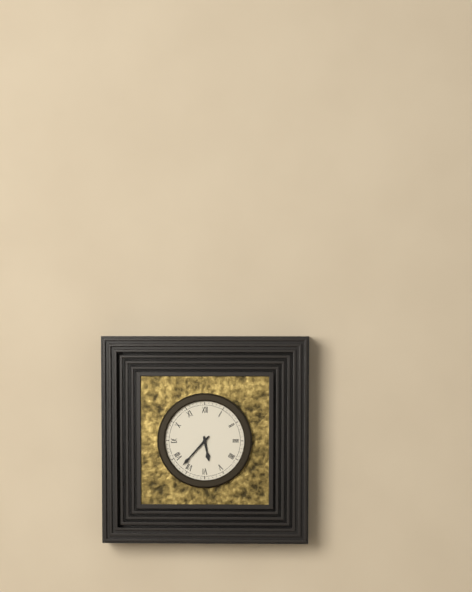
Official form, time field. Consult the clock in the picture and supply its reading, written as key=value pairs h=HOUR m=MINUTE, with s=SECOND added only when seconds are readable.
h=5 m=37
